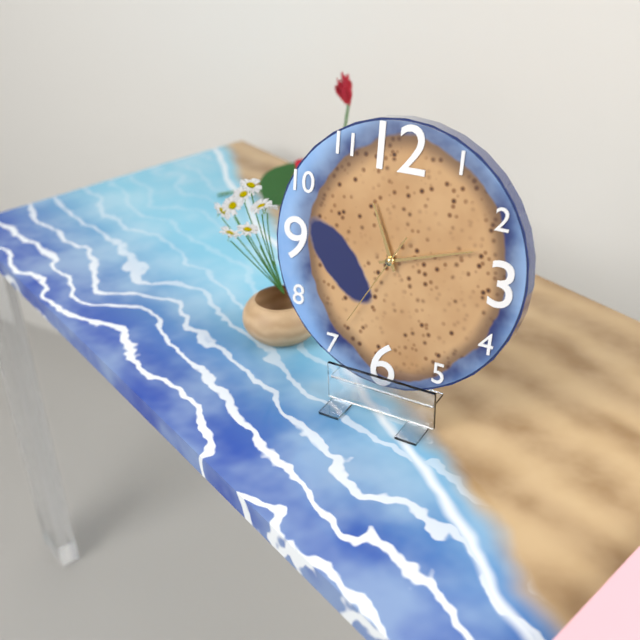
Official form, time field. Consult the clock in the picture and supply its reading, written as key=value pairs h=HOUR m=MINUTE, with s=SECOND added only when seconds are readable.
h=11 m=12 s=35
